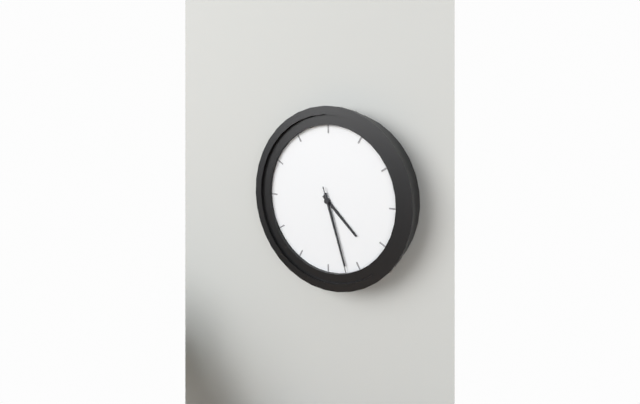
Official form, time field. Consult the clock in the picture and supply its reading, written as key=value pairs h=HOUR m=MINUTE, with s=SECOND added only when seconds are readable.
h=4 m=27 s=27
